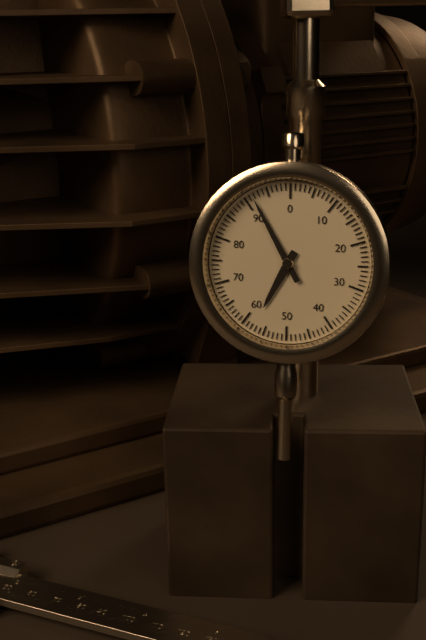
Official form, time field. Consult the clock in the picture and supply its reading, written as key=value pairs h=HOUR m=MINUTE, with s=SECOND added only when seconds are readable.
h=6 m=55
